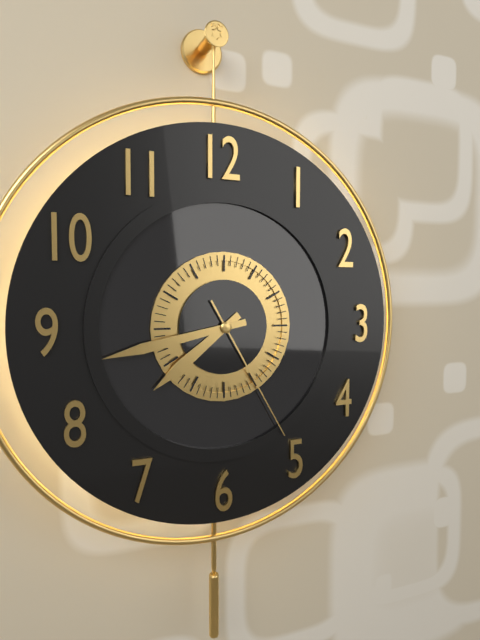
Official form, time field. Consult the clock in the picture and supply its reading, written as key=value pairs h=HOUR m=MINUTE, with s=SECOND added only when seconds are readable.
h=7 m=43 s=25
